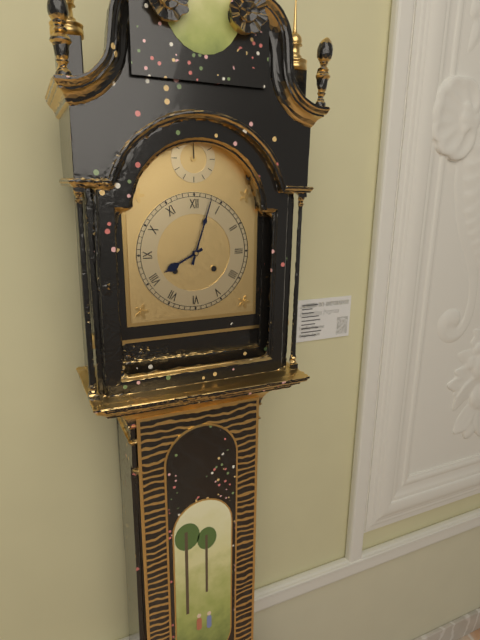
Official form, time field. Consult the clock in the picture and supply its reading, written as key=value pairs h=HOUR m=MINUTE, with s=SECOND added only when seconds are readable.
h=8 m=3
